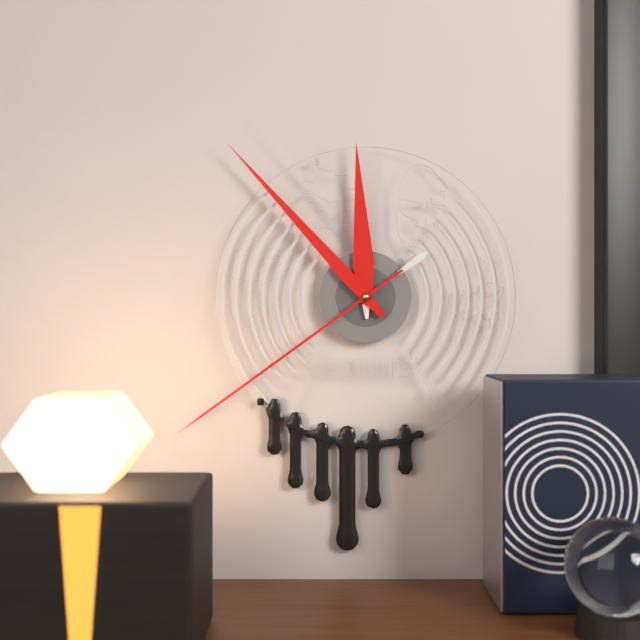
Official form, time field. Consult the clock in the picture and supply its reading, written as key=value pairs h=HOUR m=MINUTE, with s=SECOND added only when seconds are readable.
h=11 m=53 s=39
